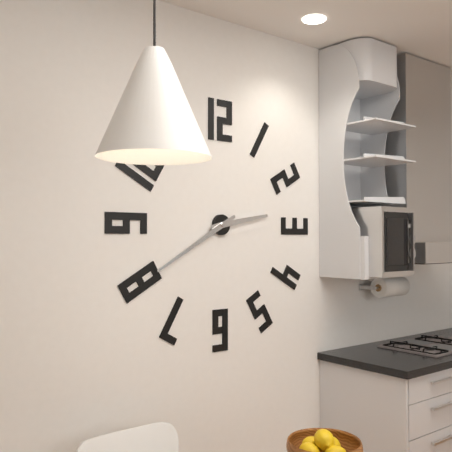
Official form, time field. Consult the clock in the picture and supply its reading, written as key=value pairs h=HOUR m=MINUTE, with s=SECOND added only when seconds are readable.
h=2 m=40
